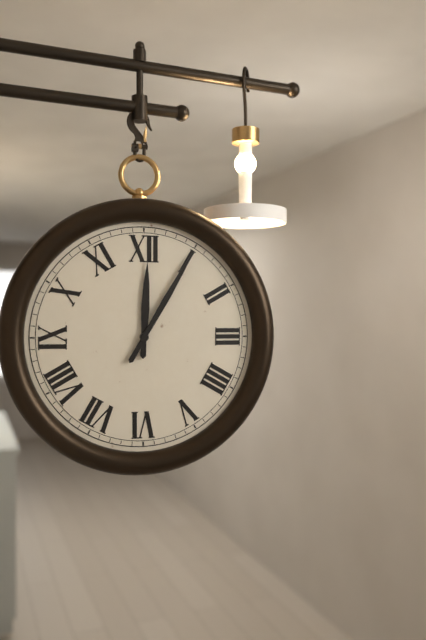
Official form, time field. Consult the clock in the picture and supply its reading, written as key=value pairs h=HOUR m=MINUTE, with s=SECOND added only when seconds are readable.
h=12 m=5
